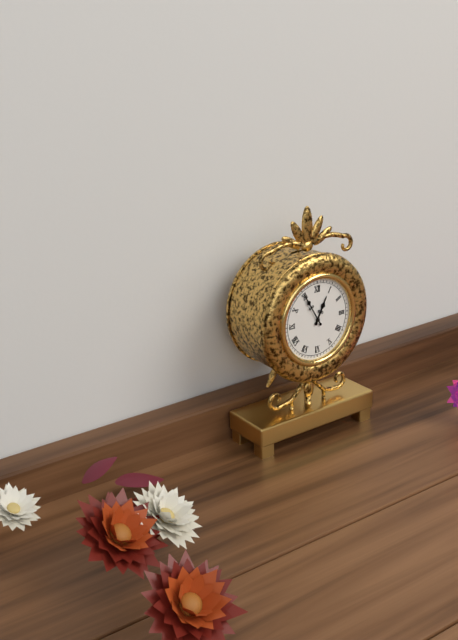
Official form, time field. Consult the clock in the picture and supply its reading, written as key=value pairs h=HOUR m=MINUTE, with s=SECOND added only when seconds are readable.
h=12 m=55
